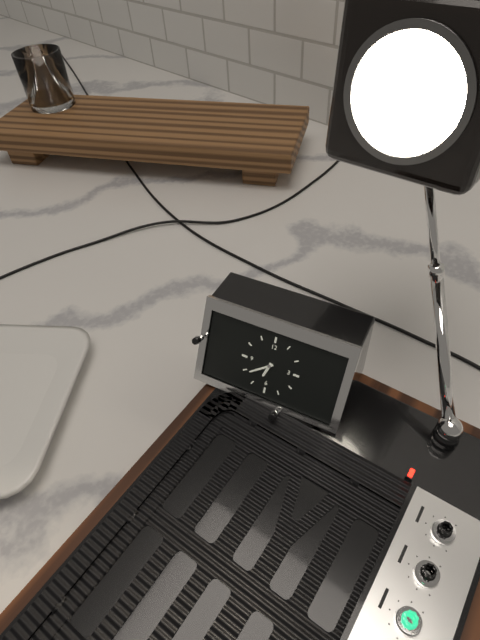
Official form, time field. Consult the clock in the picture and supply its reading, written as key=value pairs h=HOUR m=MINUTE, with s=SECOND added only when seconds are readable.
h=6 m=39
